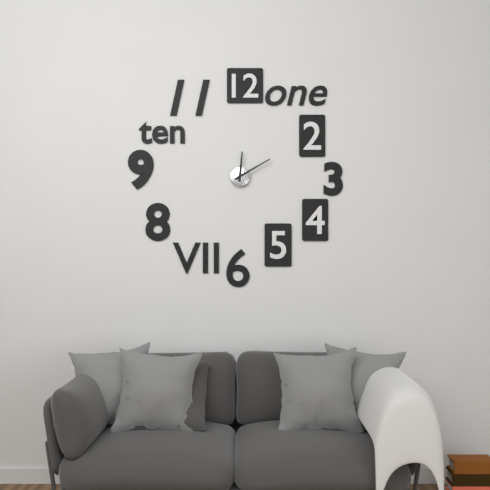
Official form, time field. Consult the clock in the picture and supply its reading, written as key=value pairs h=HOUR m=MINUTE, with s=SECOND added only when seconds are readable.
h=12 m=10
